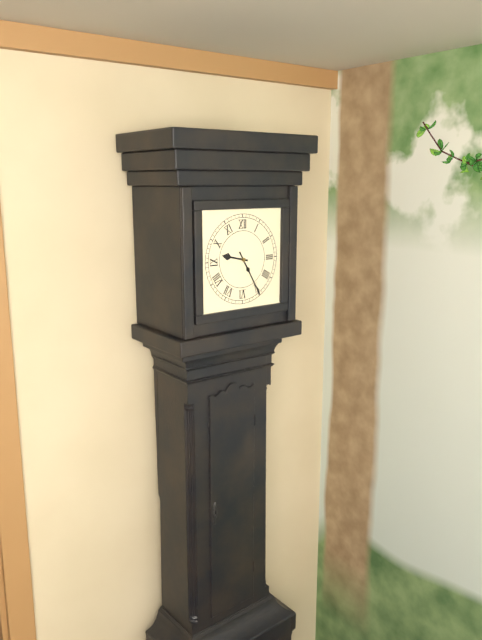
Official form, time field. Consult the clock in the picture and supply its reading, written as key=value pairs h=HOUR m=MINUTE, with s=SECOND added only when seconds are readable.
h=9 m=25
